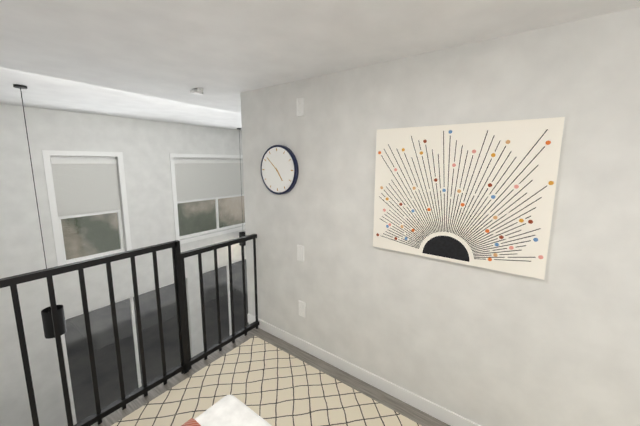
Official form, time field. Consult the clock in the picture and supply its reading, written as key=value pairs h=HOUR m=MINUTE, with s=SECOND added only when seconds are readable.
h=4 m=52
